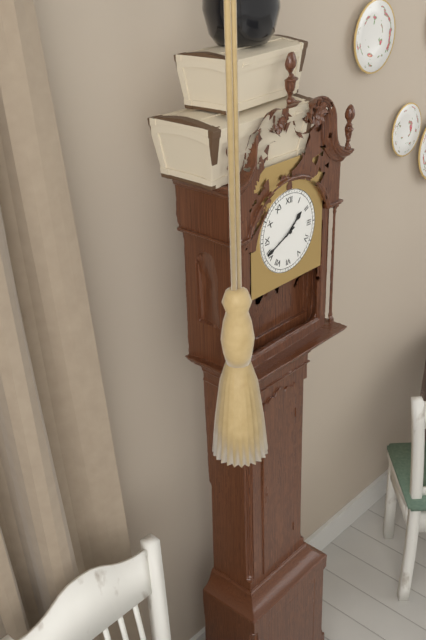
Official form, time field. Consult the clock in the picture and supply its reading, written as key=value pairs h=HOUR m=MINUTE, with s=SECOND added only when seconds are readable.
h=1 m=41
